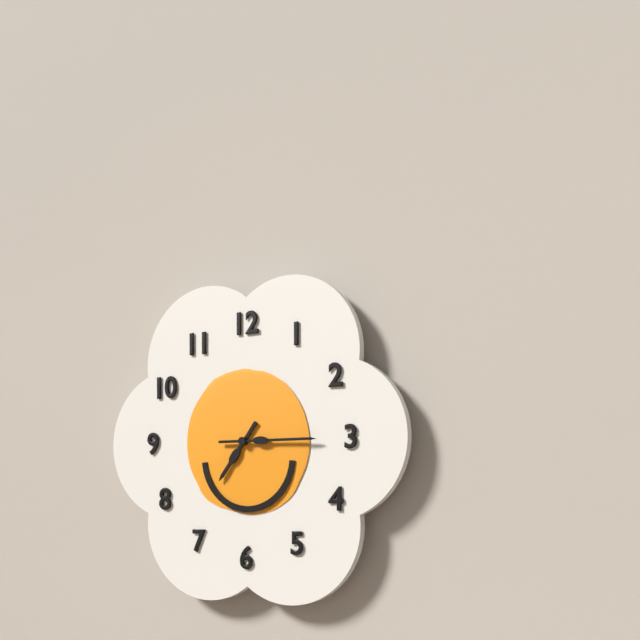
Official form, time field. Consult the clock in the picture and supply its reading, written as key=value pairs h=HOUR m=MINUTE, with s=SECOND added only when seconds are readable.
h=7 m=15
